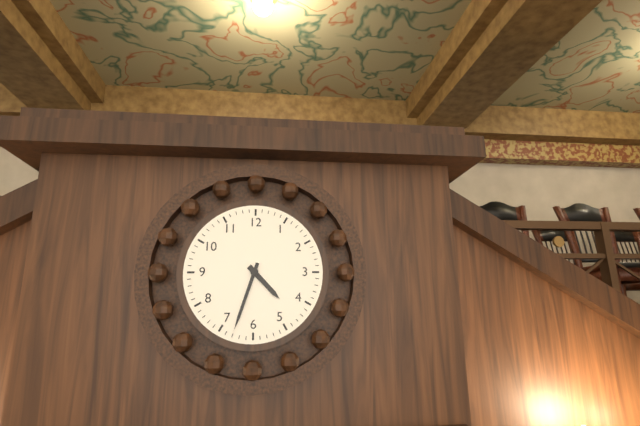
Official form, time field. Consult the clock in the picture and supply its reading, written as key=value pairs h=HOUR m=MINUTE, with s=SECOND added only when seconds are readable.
h=4 m=33
